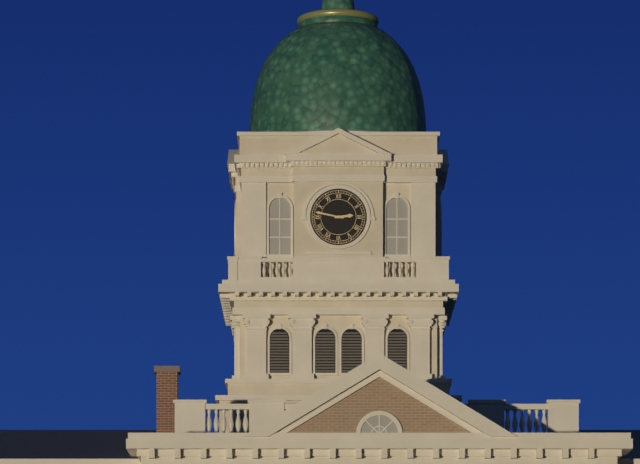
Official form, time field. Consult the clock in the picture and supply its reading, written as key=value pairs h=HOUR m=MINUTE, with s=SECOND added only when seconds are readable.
h=2 m=47
